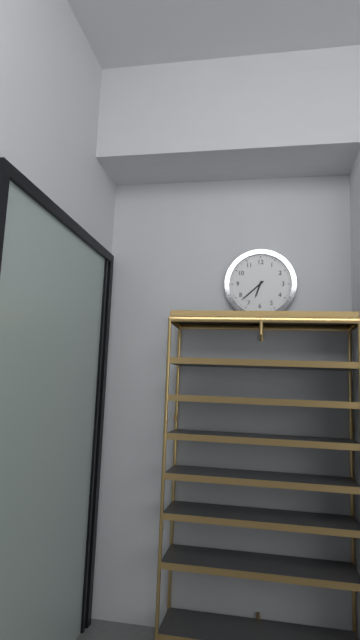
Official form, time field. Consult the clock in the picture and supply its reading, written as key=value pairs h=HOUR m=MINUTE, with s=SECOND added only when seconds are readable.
h=6 m=38
